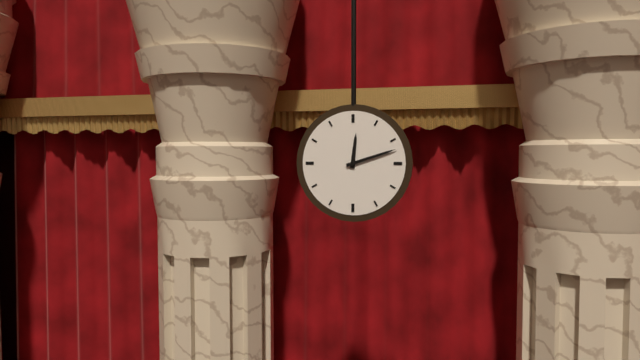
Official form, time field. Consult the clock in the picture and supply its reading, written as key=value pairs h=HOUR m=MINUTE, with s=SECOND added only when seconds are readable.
h=12 m=12
